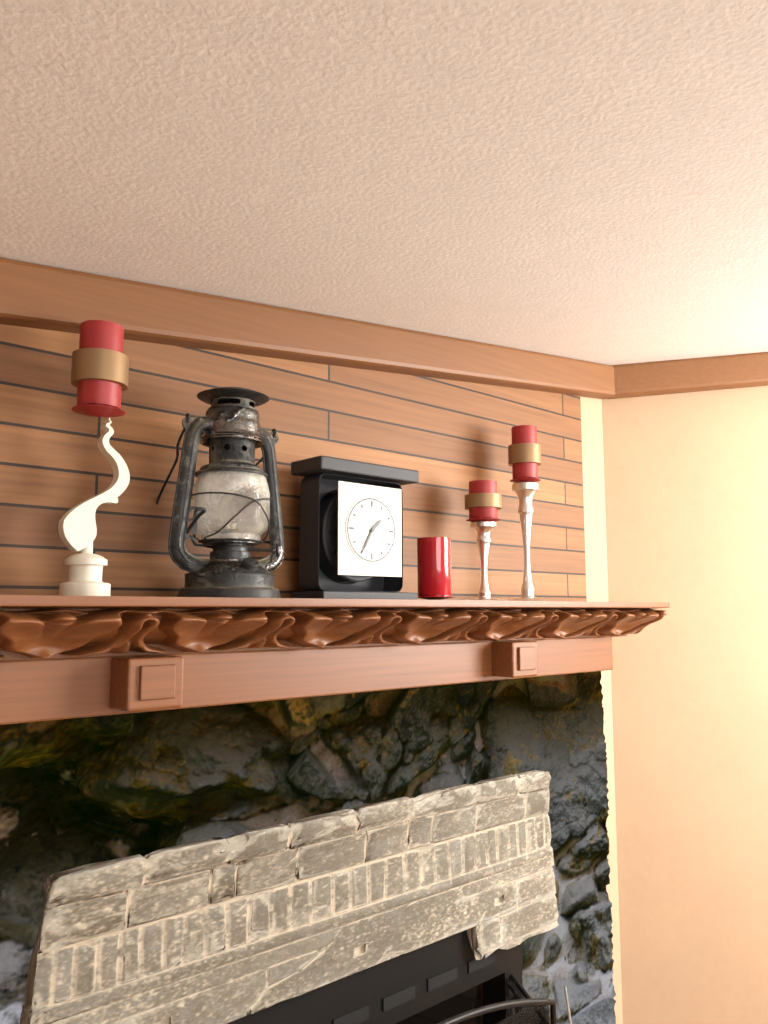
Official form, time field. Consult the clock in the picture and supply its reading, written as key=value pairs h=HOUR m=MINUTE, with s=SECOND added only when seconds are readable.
h=1 m=35
